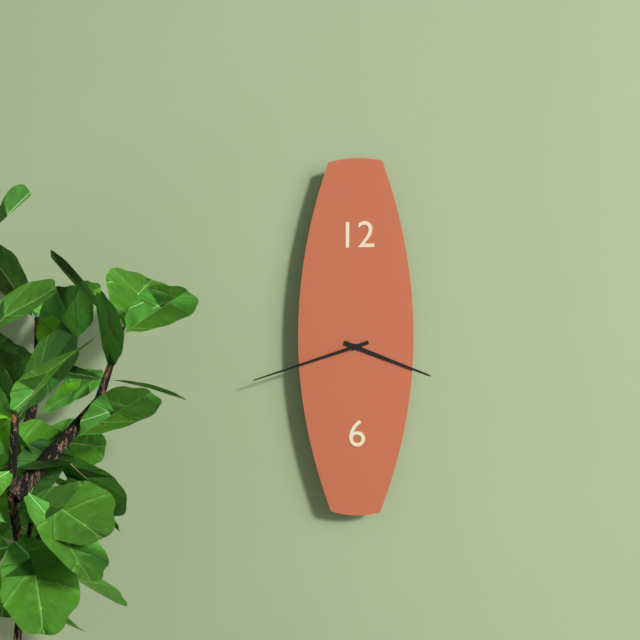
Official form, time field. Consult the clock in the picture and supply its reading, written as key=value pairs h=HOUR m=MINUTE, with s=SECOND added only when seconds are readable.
h=3 m=42
